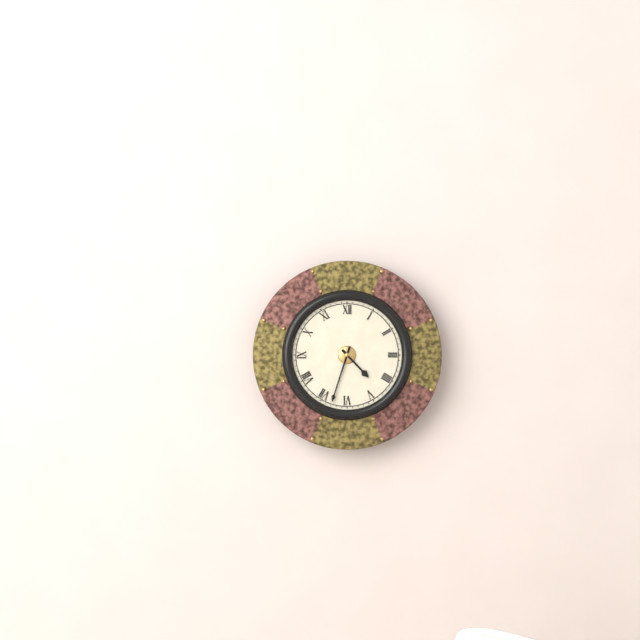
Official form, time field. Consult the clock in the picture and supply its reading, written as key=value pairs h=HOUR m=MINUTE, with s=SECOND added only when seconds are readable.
h=4 m=33
